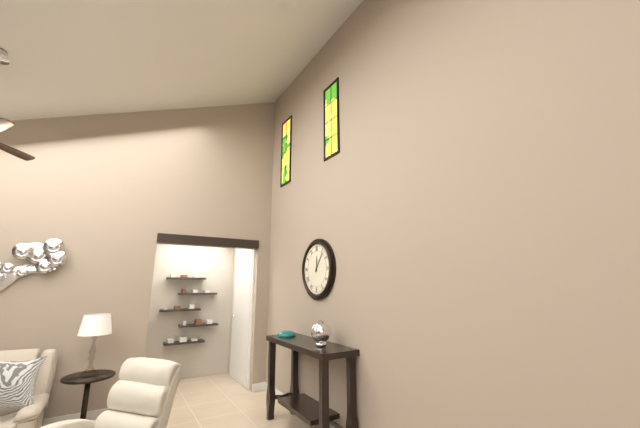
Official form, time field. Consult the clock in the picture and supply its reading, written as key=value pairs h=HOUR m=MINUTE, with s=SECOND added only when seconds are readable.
h=12 m=6
